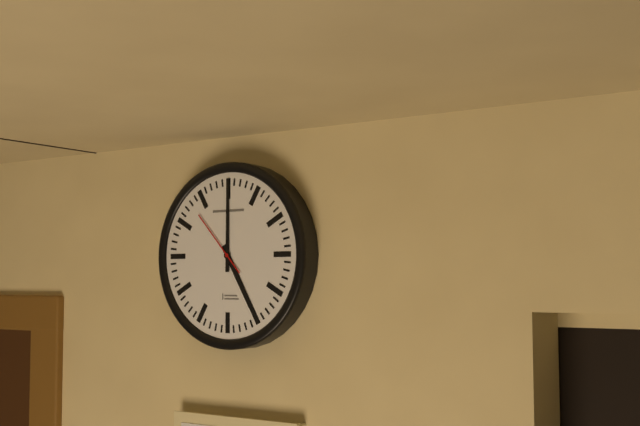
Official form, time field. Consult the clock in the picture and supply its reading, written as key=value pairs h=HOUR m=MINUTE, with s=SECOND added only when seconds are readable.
h=5 m=0 s=53
